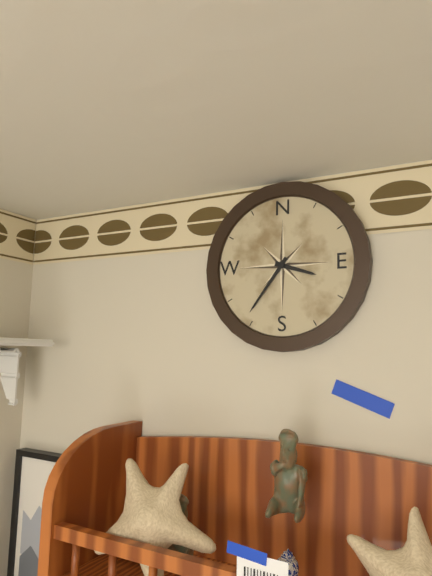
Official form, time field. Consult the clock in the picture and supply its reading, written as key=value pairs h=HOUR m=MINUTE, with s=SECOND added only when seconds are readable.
h=3 m=36
